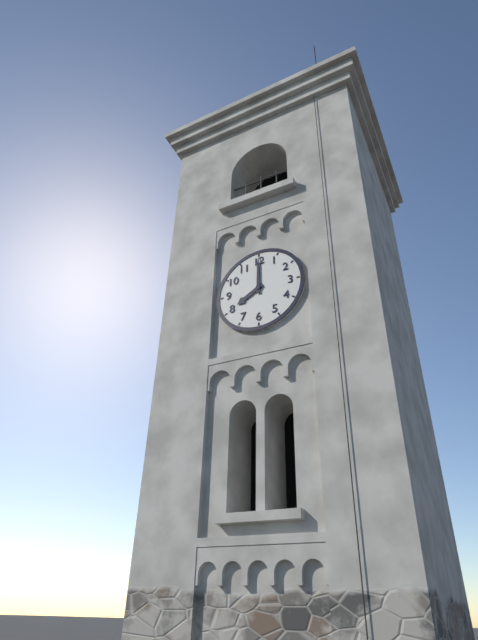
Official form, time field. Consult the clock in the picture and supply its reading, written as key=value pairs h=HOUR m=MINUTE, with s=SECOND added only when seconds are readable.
h=8 m=0
